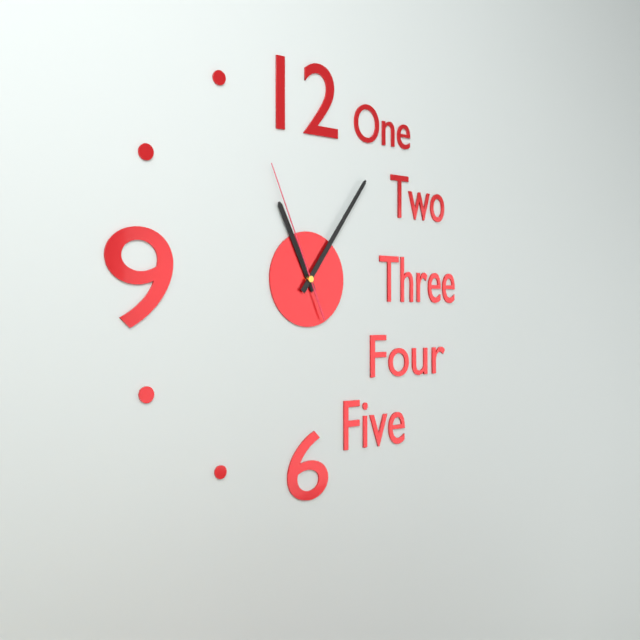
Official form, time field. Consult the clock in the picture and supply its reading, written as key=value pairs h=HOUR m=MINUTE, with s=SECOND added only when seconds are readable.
h=11 m=6 s=56
